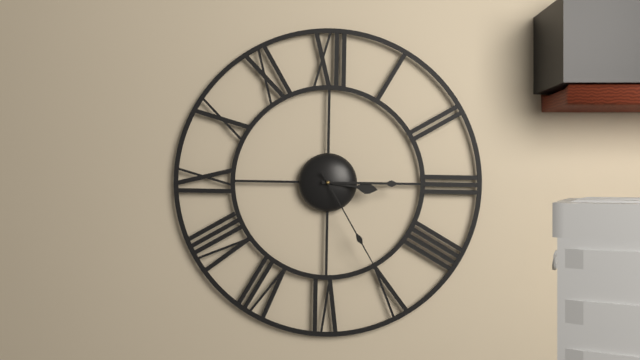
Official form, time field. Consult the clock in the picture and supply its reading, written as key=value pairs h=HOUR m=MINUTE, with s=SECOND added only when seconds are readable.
h=3 m=15 s=25
